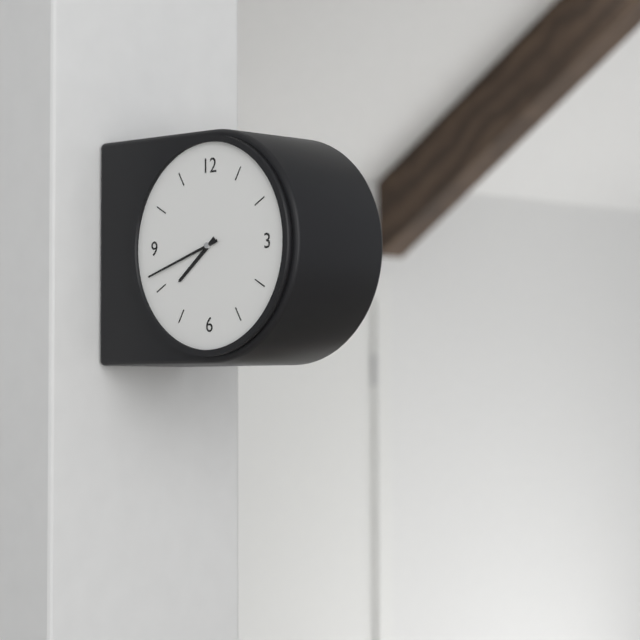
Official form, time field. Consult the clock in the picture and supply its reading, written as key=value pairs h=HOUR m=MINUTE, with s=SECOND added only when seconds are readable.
h=7 m=42
